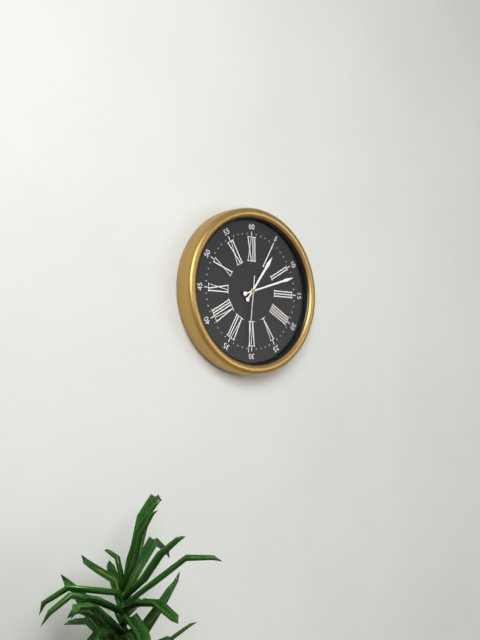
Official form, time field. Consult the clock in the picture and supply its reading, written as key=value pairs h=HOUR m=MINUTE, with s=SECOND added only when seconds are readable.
h=1 m=12 s=31
